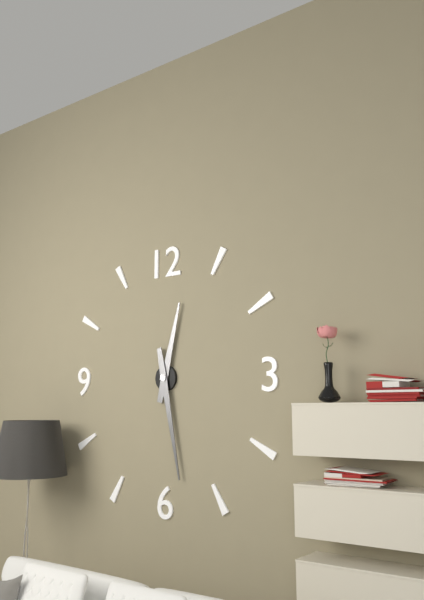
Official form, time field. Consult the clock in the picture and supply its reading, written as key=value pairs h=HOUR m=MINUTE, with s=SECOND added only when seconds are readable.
h=12 m=28
